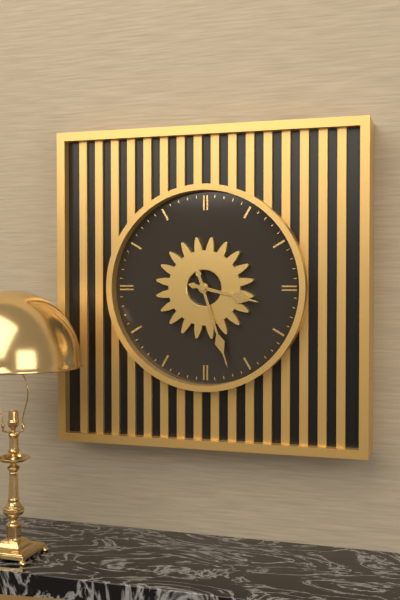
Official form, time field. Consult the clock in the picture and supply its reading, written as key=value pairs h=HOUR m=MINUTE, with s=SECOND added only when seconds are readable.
h=3 m=27
